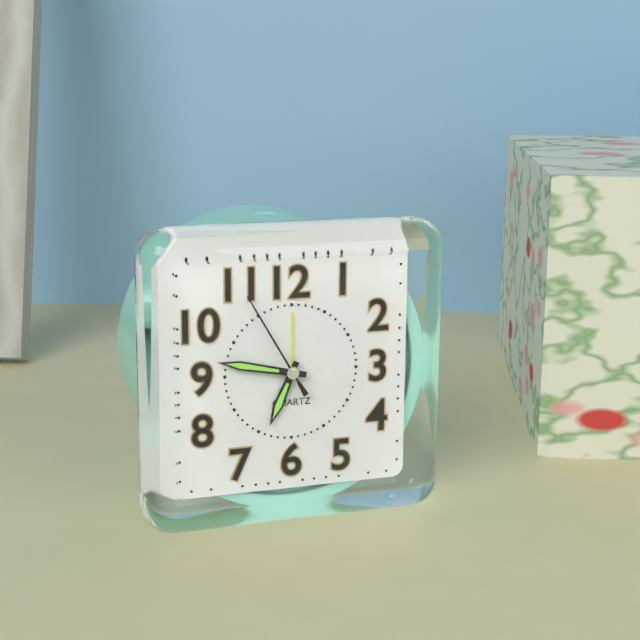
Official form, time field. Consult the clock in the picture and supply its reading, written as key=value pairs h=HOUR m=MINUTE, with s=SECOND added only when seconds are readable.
h=6 m=47 s=55
